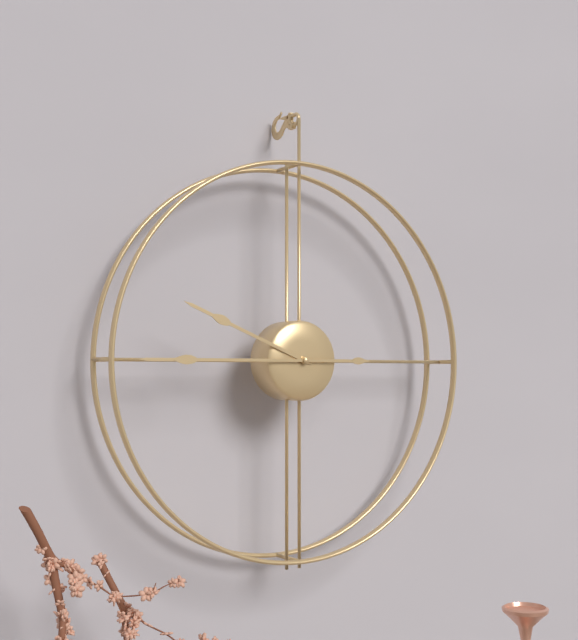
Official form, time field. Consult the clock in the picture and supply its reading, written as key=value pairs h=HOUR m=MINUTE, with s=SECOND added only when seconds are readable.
h=9 m=45
